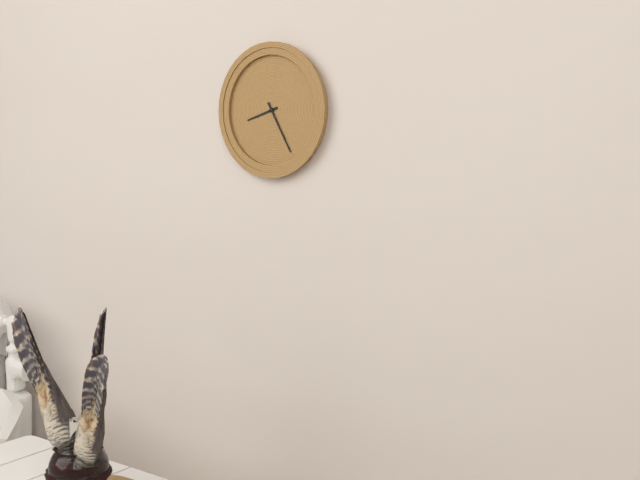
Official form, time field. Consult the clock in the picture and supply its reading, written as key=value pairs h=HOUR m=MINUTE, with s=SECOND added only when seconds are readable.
h=8 m=25
